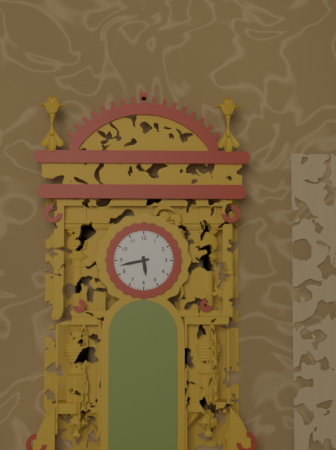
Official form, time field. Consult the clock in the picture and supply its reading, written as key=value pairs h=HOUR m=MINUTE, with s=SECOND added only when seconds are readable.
h=5 m=43
